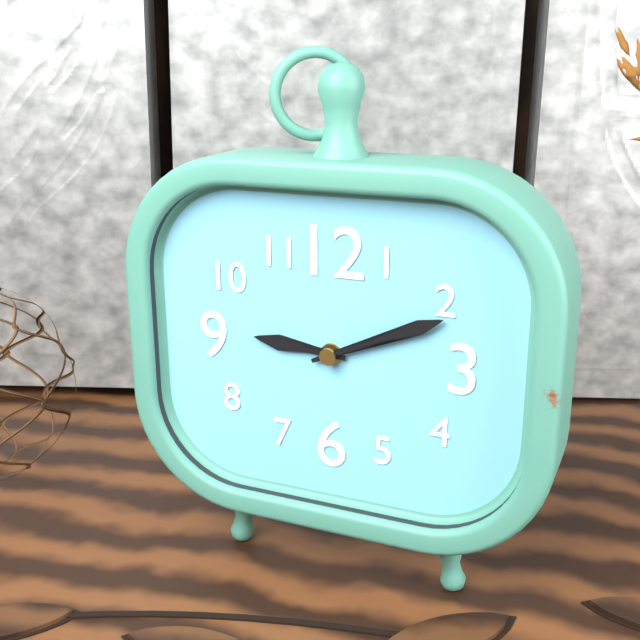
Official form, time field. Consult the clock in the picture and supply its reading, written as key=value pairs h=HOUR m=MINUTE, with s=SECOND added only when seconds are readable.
h=9 m=11
